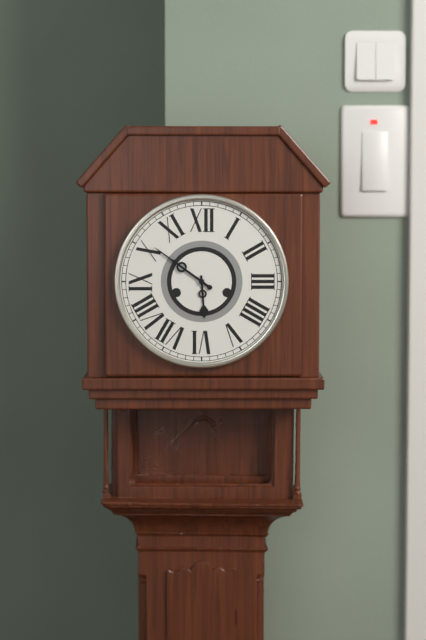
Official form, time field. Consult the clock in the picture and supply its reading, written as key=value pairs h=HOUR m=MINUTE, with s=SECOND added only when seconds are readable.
h=5 m=51
